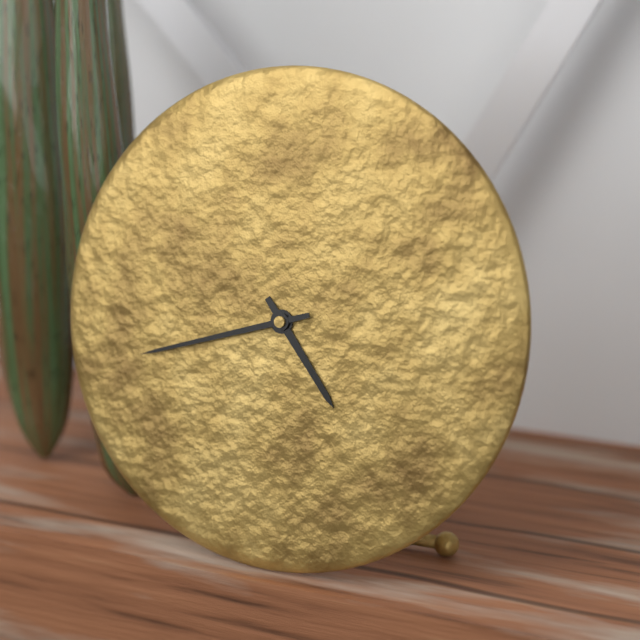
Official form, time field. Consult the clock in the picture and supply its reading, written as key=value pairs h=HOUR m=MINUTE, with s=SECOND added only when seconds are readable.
h=4 m=42
